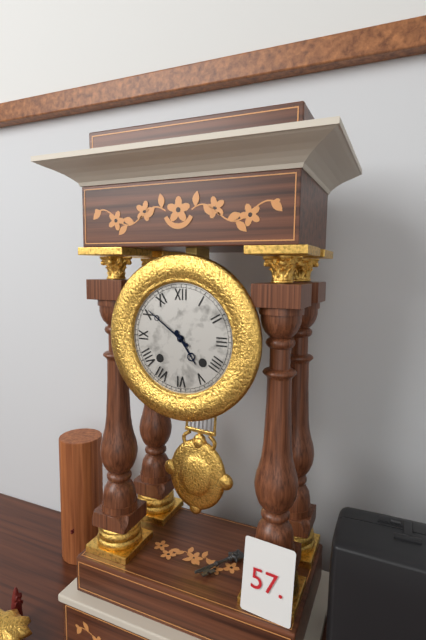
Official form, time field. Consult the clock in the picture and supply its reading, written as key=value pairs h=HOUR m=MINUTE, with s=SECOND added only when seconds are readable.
h=4 m=51
